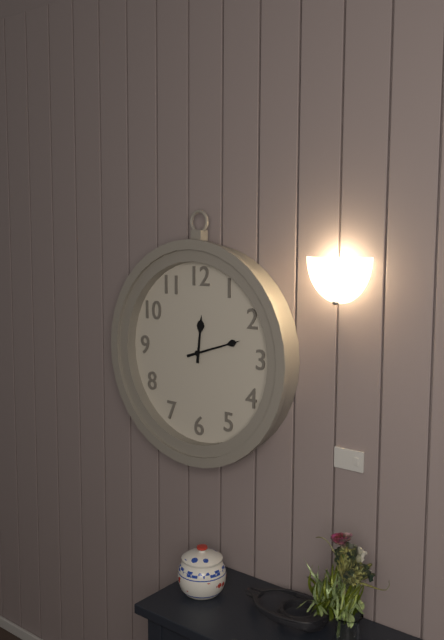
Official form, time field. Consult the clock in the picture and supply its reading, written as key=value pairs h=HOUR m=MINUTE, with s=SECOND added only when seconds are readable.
h=12 m=12
